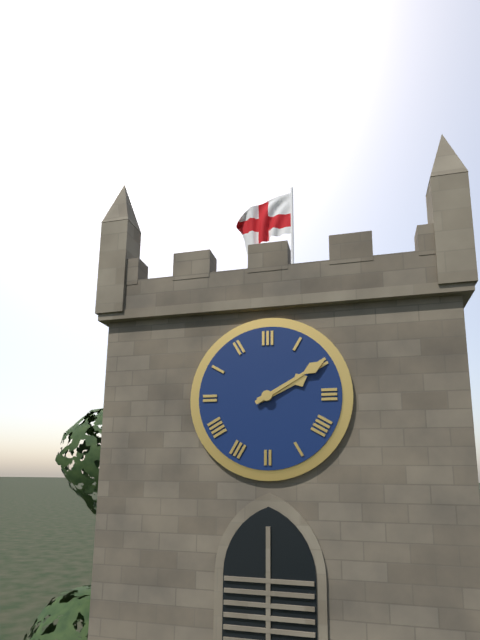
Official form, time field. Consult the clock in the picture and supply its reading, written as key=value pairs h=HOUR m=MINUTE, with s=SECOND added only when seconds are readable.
h=2 m=10
